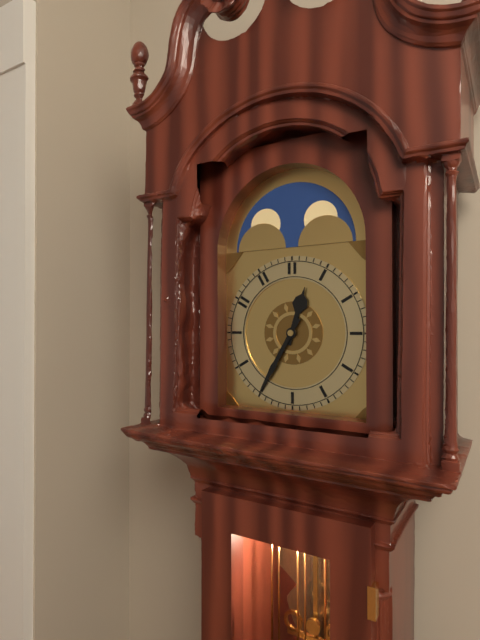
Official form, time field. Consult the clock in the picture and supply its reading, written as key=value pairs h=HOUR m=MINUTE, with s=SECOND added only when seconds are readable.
h=12 m=35
